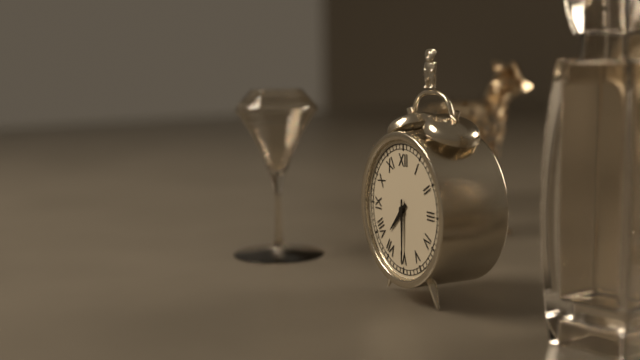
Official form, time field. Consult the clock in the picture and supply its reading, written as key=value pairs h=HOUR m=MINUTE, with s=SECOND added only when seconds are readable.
h=7 m=30
